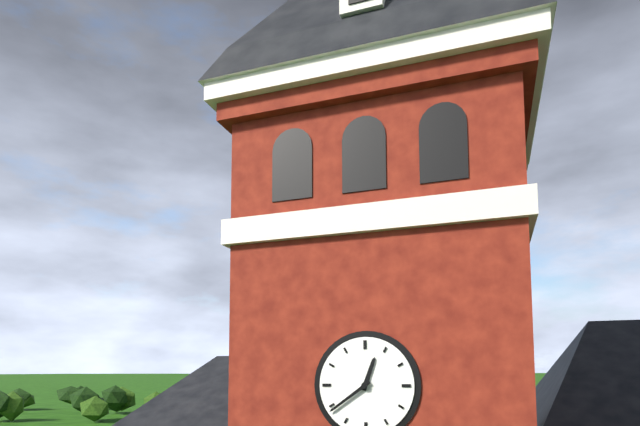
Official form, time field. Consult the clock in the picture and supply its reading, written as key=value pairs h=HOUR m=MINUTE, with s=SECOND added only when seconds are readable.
h=12 m=39
